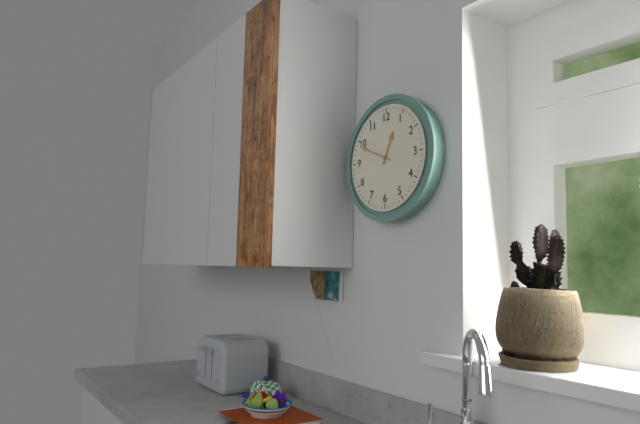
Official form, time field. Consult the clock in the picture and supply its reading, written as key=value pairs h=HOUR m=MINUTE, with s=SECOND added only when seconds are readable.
h=12 m=49
